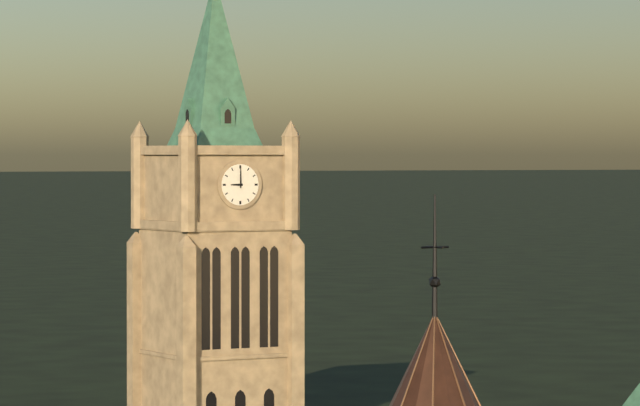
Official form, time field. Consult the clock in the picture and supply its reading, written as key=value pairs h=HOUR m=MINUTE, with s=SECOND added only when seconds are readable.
h=9 m=0
